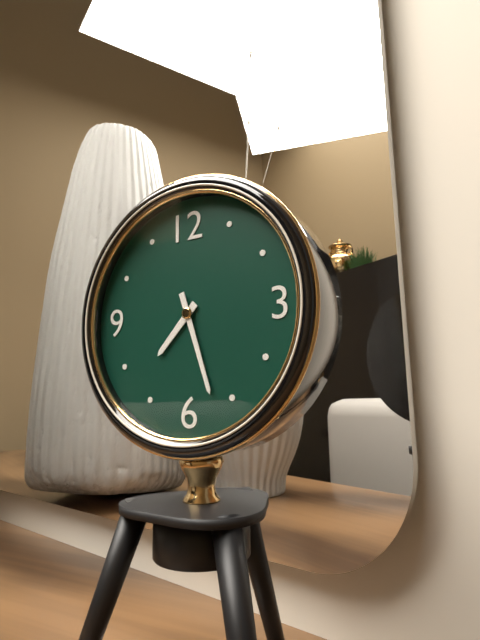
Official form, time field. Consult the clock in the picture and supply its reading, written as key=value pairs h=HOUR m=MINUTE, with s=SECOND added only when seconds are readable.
h=7 m=27
